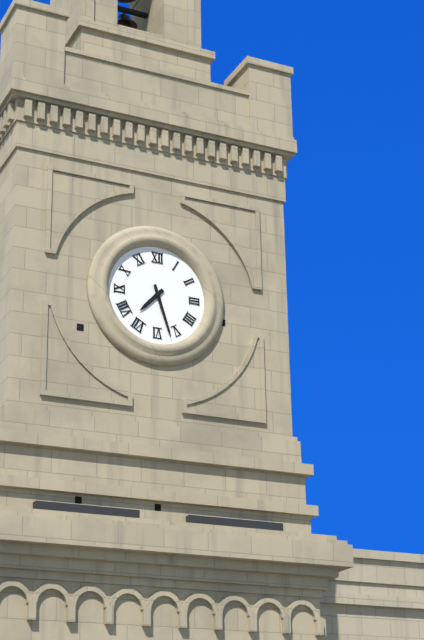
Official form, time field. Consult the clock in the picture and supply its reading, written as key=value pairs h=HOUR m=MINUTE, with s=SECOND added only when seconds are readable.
h=7 m=27
